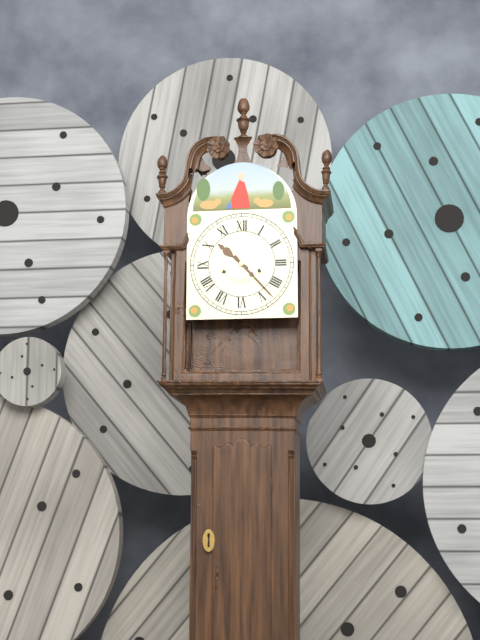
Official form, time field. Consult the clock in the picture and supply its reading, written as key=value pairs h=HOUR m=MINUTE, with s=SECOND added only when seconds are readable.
h=10 m=23
